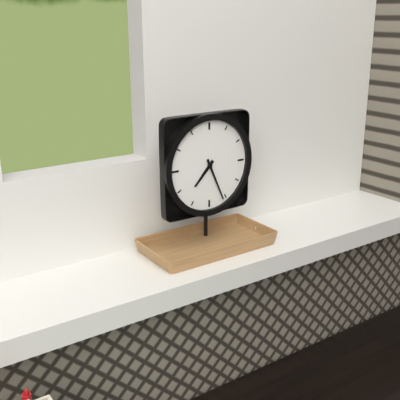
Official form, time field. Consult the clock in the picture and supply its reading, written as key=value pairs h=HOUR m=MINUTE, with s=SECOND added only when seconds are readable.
h=7 m=26
